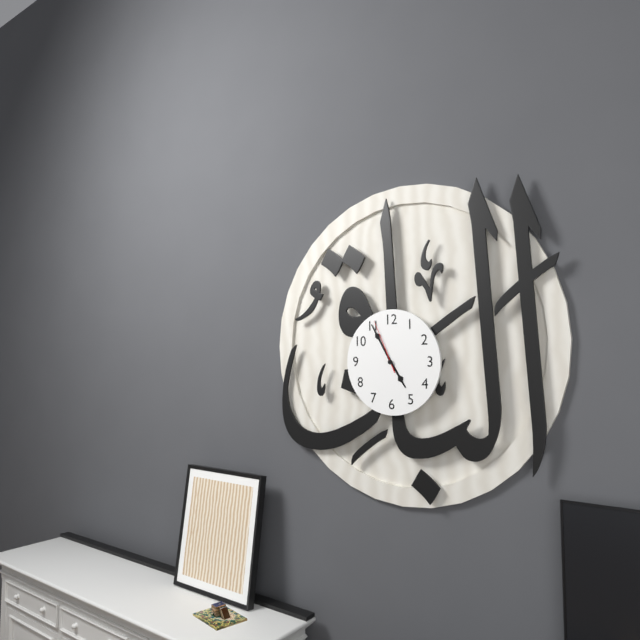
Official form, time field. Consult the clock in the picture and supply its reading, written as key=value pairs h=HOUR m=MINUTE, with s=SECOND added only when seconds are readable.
h=4 m=55 s=56
